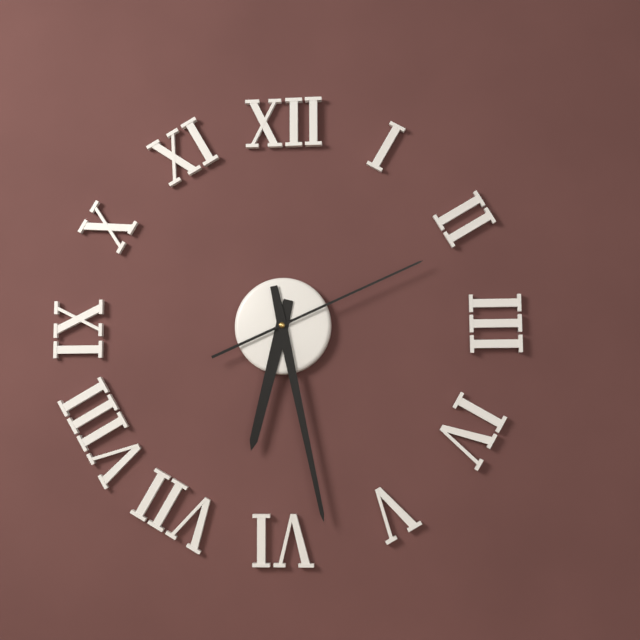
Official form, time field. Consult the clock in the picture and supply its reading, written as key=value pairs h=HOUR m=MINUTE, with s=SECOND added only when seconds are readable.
h=6 m=28 s=11
